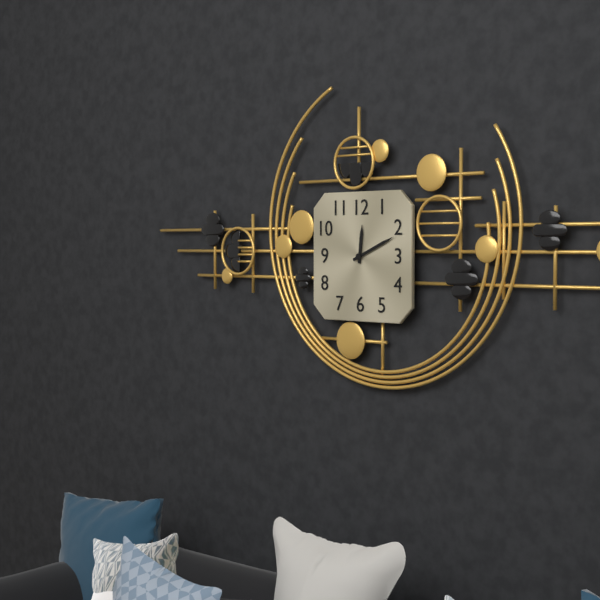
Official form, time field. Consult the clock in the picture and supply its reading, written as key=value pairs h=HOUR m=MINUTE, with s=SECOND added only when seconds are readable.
h=12 m=11
